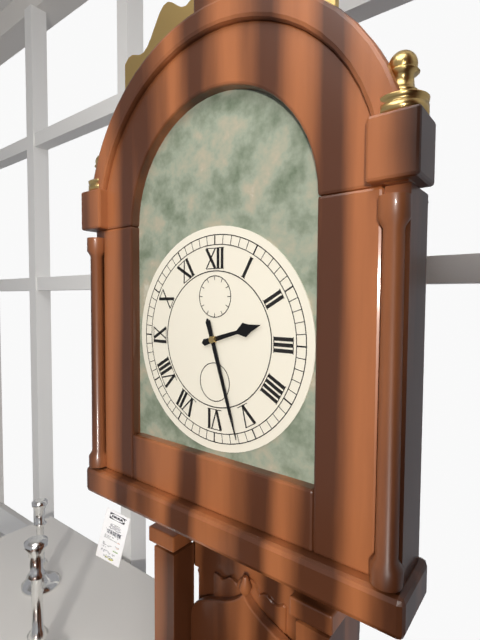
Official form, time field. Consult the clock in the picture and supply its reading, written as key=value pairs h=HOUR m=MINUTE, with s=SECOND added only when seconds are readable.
h=2 m=27
